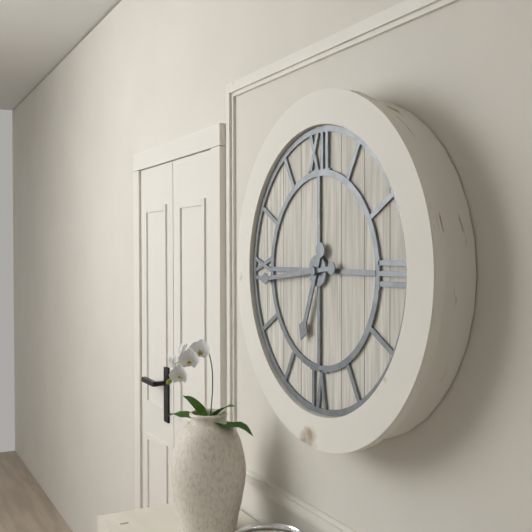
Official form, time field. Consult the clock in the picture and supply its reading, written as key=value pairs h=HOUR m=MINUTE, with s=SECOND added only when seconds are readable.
h=6 m=44
